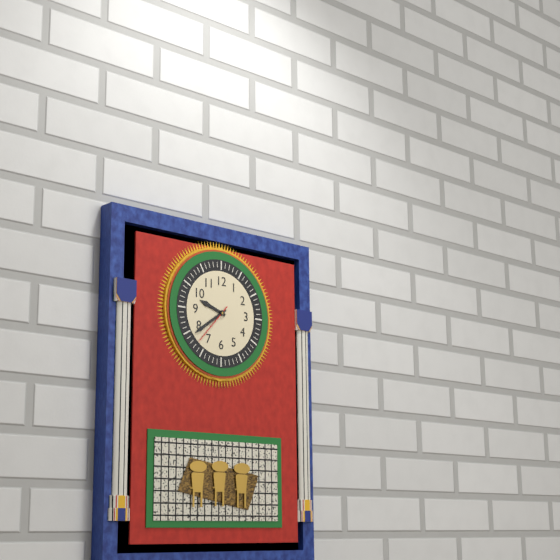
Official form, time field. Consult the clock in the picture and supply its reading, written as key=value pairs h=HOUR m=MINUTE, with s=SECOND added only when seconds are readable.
h=9 m=39
